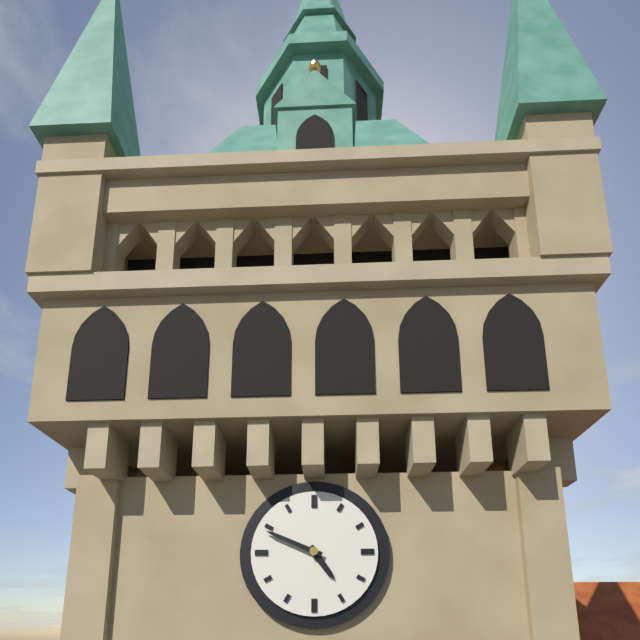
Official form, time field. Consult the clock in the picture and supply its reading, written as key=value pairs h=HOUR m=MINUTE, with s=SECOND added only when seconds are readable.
h=4 m=49
